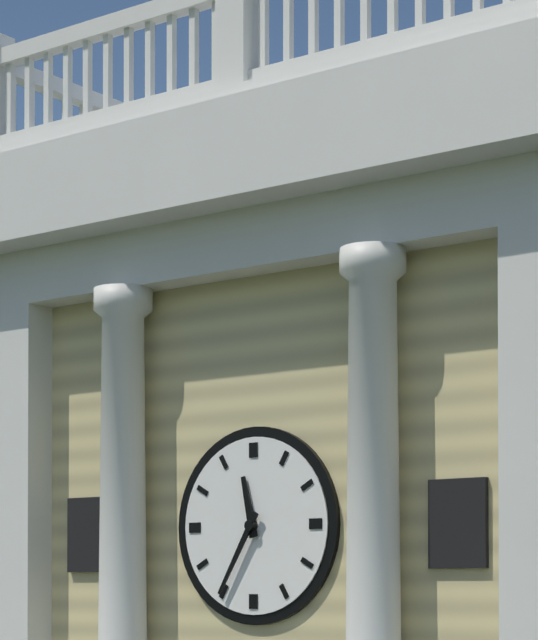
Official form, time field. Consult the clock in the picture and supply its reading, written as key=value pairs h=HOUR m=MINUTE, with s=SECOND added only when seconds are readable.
h=11 m=35
